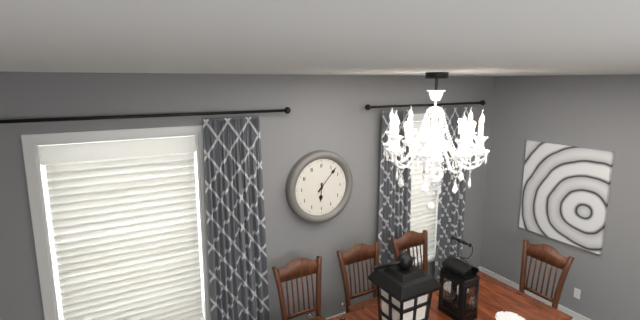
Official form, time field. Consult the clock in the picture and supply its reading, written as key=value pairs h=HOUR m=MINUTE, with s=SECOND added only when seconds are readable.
h=6 m=7
